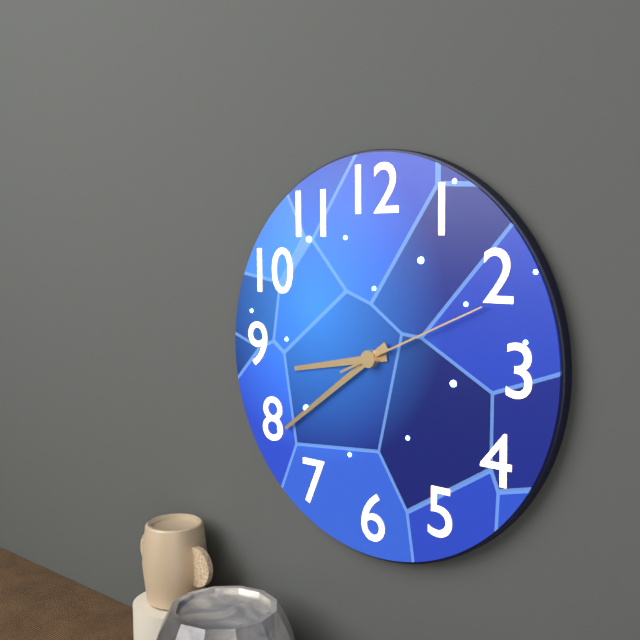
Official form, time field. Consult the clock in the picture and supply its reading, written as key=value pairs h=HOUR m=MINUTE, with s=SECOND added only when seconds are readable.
h=8 m=39 s=11
